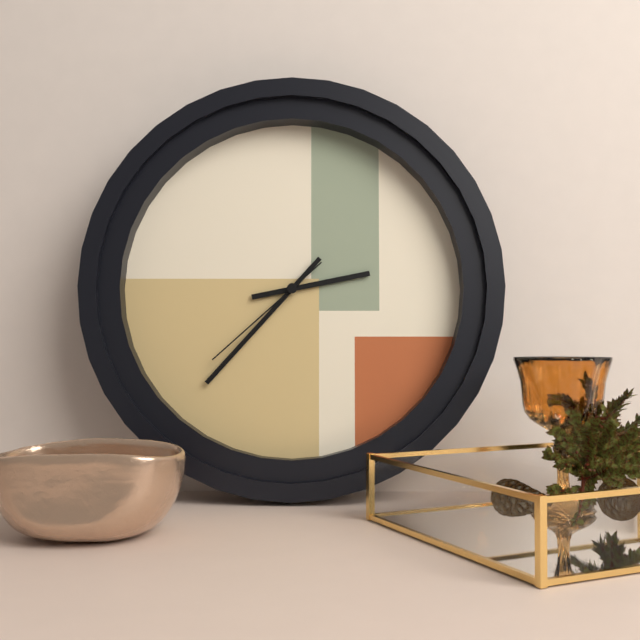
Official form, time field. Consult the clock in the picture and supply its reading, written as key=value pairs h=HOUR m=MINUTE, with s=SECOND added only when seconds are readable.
h=2 m=37 s=38
